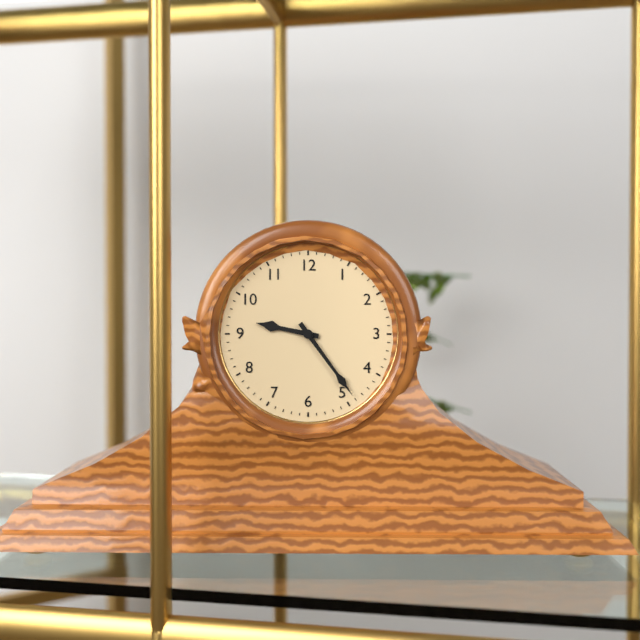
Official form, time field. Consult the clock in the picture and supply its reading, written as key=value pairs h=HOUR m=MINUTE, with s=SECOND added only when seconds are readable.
h=9 m=24
